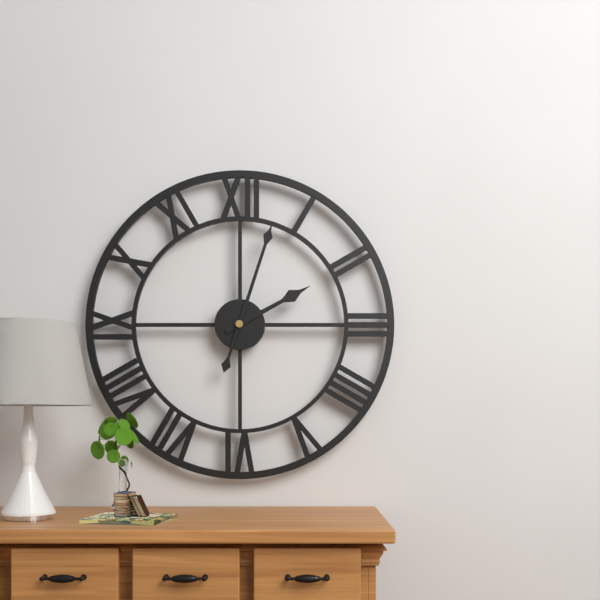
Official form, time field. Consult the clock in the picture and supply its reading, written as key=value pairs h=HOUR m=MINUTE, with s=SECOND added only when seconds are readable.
h=2 m=3
